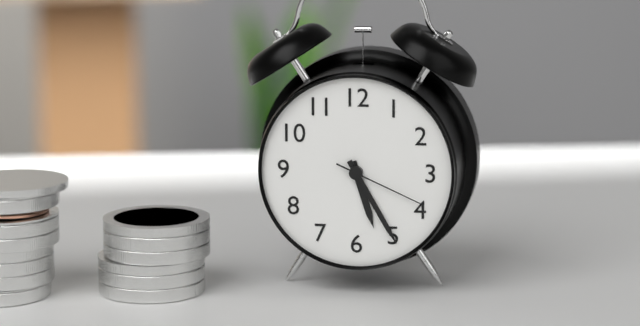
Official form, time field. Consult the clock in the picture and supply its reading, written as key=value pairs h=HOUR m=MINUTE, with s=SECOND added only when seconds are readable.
h=5 m=25 s=19
